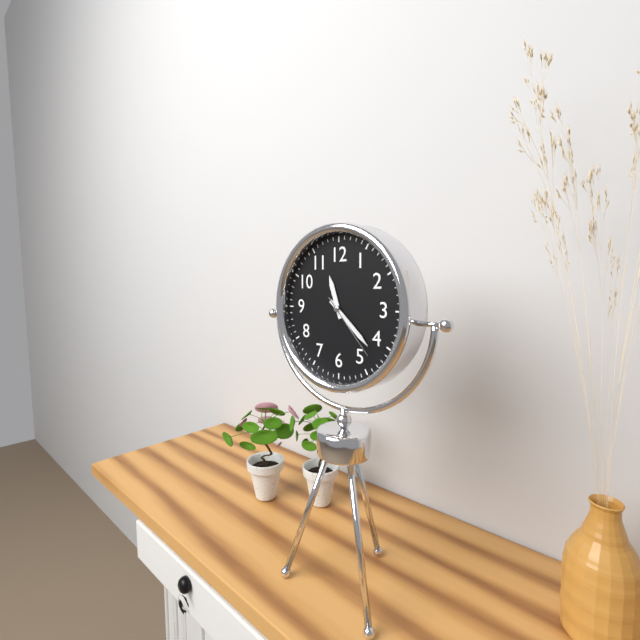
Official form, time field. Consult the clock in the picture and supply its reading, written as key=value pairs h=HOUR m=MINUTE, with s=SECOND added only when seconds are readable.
h=11 m=22 s=23
